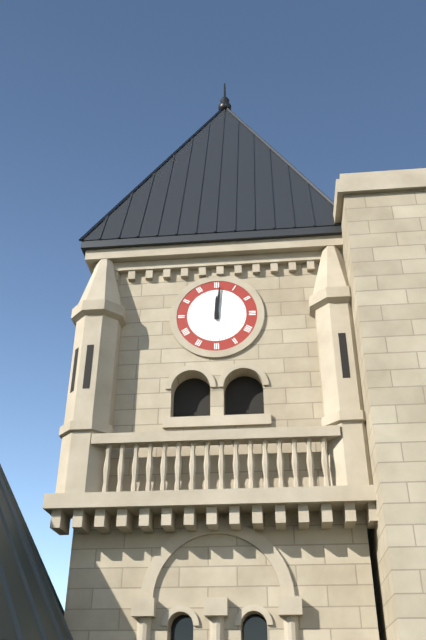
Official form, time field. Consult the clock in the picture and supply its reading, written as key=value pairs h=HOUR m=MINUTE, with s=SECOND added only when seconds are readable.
h=12 m=1
